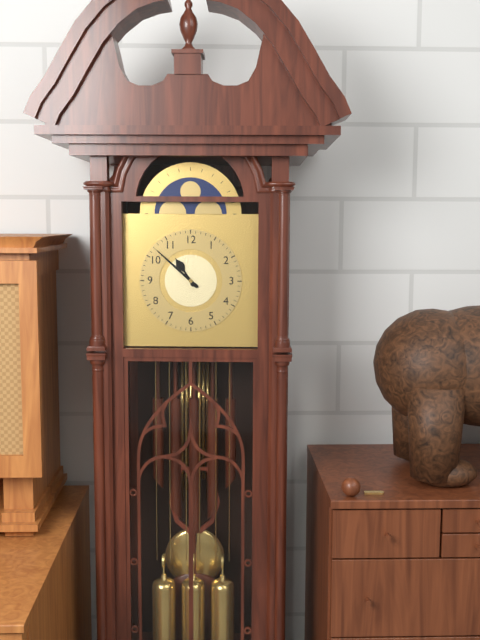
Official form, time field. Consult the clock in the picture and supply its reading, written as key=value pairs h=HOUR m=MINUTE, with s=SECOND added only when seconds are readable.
h=10 m=52
